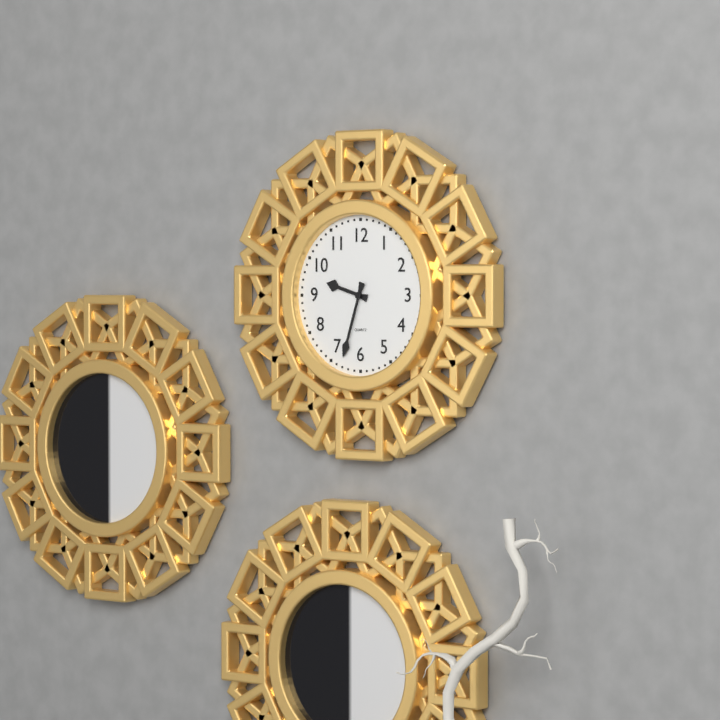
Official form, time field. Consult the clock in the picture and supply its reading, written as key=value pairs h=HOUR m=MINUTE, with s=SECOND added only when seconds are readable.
h=9 m=33
